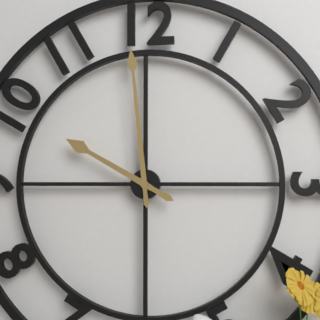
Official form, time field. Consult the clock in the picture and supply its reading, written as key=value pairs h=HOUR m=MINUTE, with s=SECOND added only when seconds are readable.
h=9 m=59
